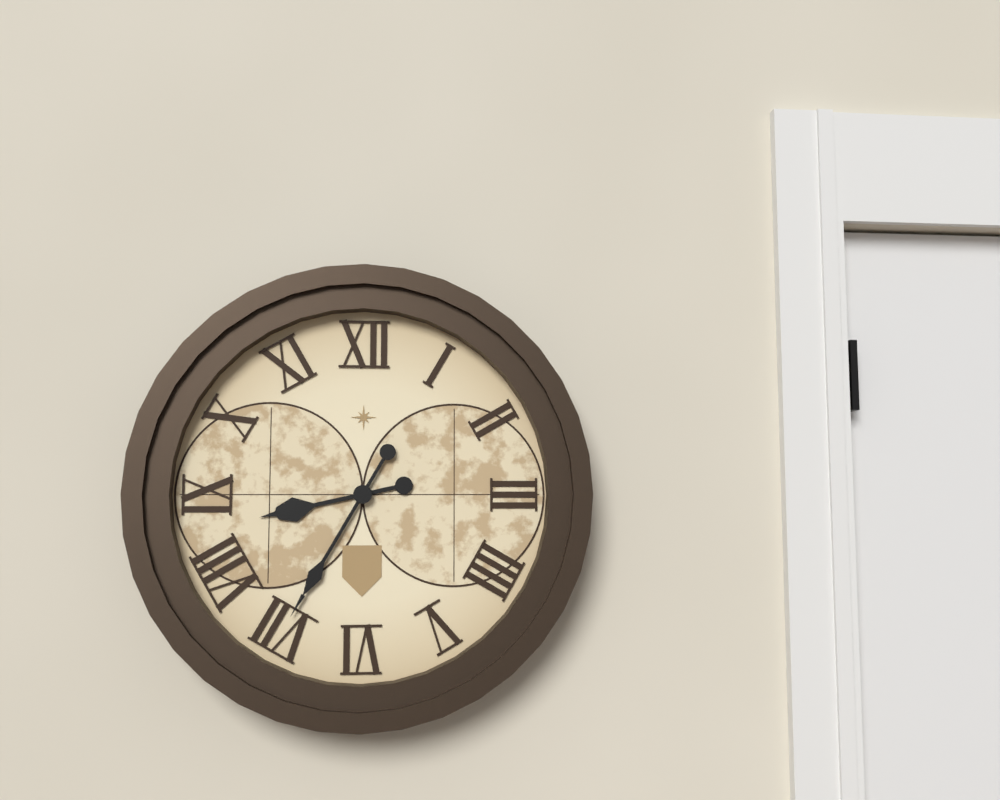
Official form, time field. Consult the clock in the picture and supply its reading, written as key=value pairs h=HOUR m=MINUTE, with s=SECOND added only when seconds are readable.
h=8 m=35
